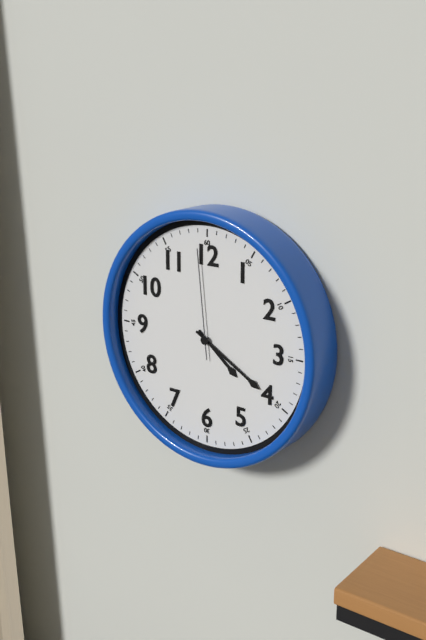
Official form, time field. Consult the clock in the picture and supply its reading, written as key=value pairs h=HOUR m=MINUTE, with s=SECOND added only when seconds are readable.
h=4 m=20 s=59
